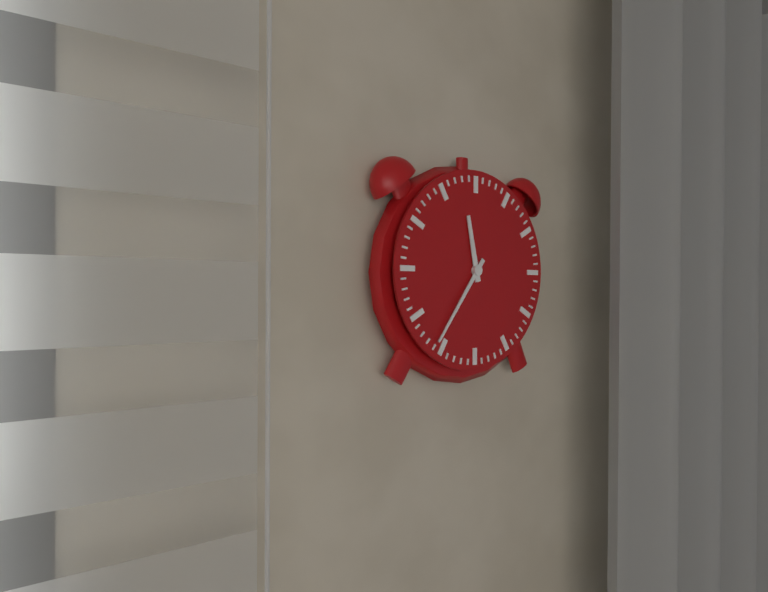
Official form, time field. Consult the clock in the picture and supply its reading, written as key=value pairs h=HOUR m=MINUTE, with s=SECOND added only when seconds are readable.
h=11 m=36
